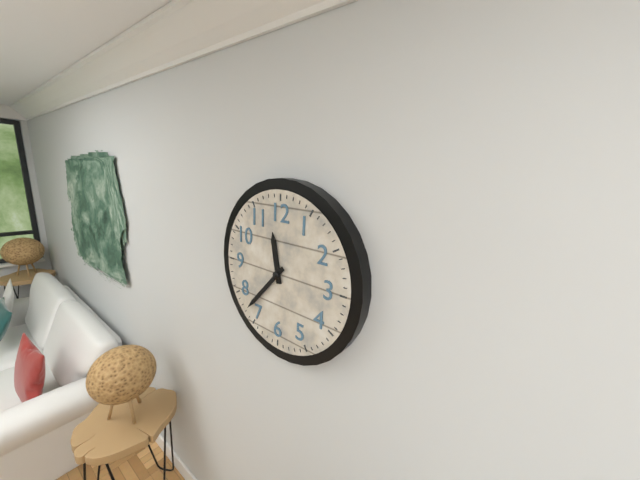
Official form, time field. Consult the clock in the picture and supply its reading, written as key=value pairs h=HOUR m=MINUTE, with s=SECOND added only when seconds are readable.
h=11 m=37
